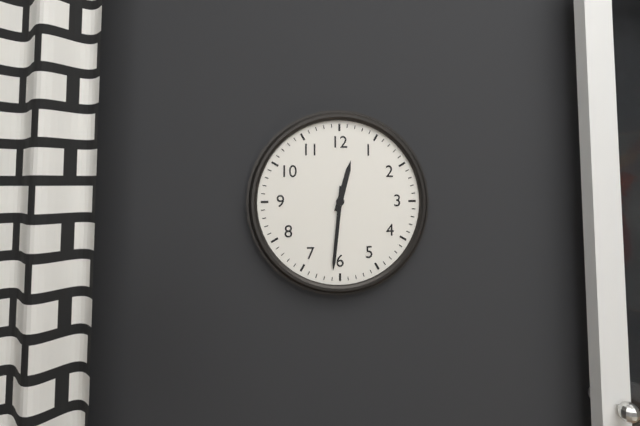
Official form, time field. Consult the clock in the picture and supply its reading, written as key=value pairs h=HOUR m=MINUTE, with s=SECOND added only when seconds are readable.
h=12 m=31
